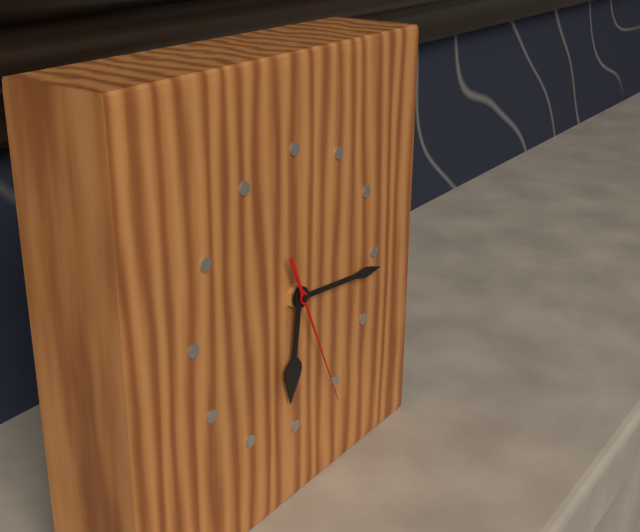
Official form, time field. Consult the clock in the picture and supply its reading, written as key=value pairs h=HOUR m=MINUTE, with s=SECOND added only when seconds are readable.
h=6 m=16 s=26
